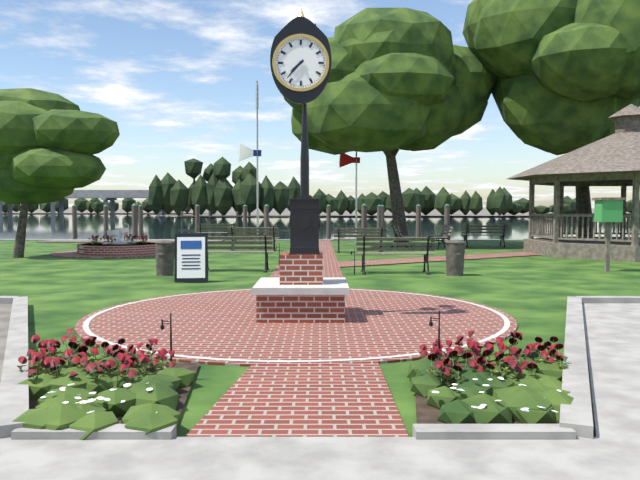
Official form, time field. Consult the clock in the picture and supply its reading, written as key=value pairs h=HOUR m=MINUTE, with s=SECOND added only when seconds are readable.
h=7 m=37
